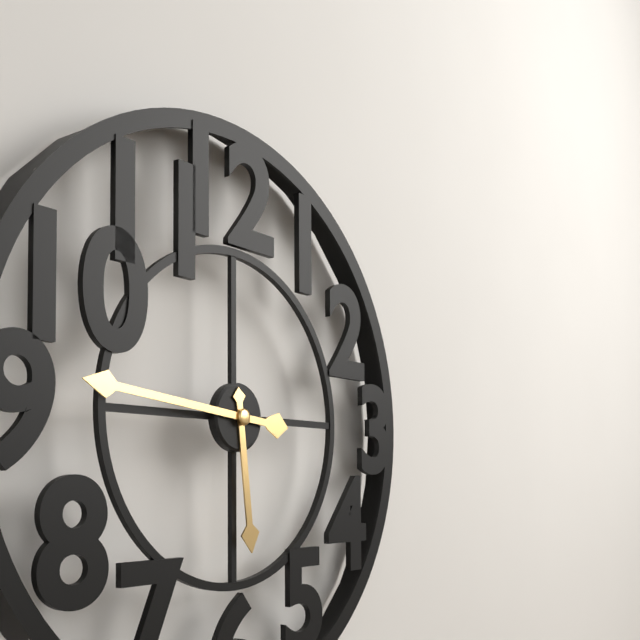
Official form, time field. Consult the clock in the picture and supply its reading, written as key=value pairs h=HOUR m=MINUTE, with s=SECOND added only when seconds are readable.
h=5 m=46
